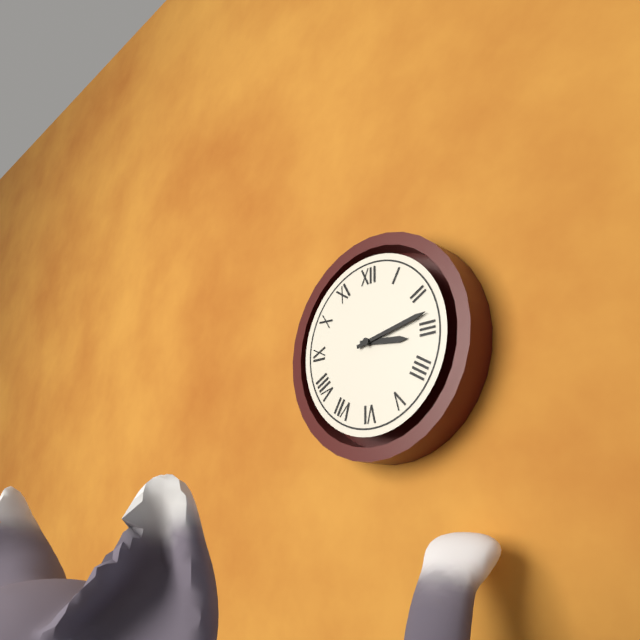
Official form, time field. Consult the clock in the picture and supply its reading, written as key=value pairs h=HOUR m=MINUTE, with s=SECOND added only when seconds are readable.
h=3 m=13
